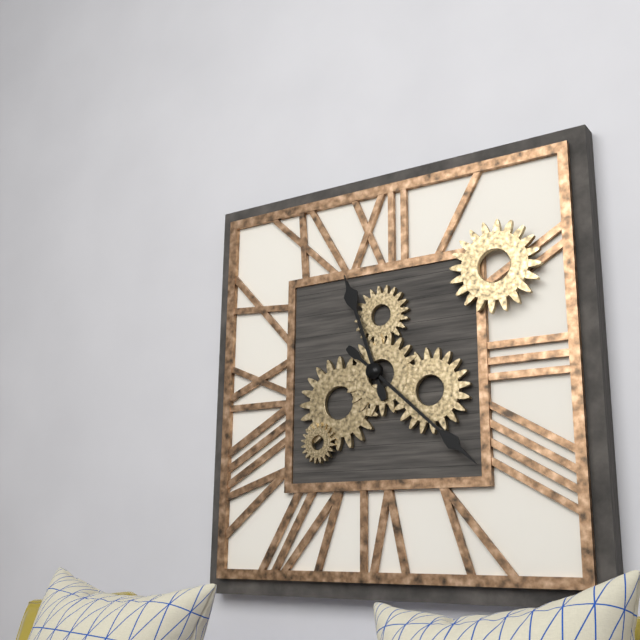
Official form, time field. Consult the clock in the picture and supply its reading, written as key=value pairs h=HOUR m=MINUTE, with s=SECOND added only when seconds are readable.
h=11 m=22
